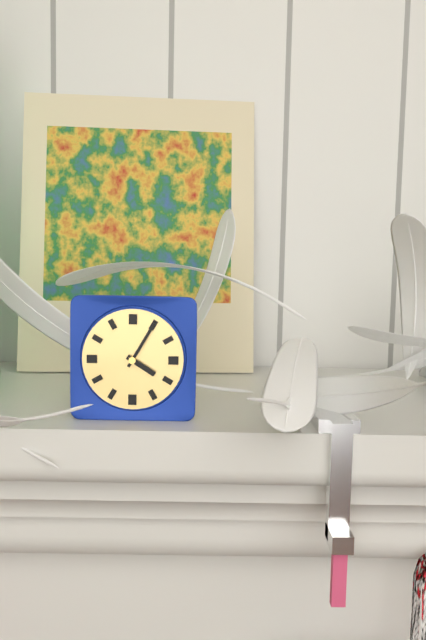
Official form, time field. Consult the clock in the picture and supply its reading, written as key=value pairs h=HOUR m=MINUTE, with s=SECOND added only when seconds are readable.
h=4 m=5
